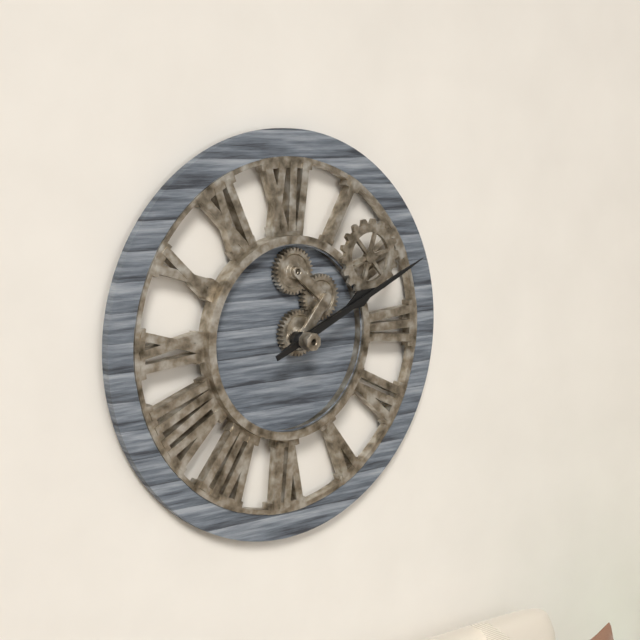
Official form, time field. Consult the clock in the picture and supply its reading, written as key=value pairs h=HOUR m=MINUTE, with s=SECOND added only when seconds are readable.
h=2 m=11
